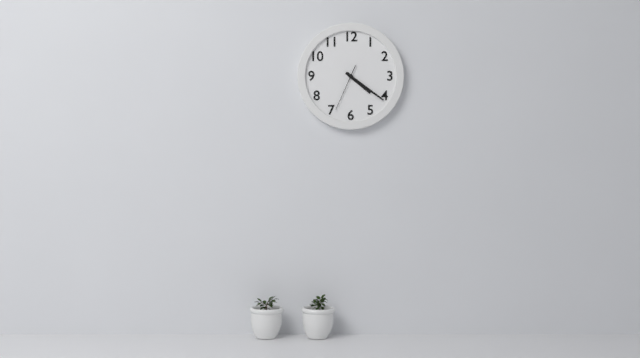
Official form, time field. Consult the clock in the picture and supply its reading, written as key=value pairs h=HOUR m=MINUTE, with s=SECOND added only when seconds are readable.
h=4 m=21
